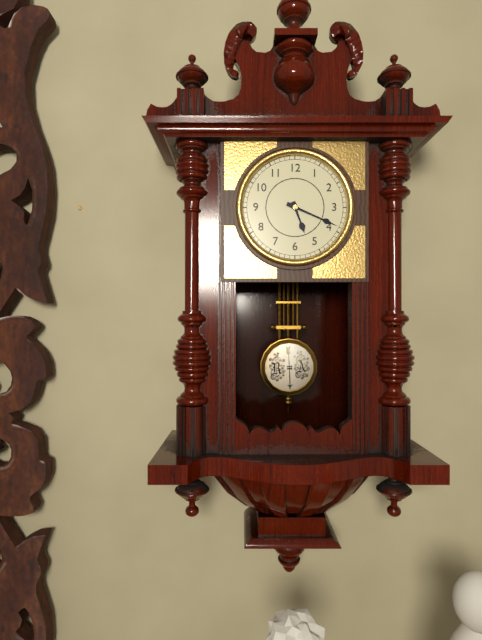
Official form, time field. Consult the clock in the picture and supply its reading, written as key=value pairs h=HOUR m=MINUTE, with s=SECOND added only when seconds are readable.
h=5 m=19
